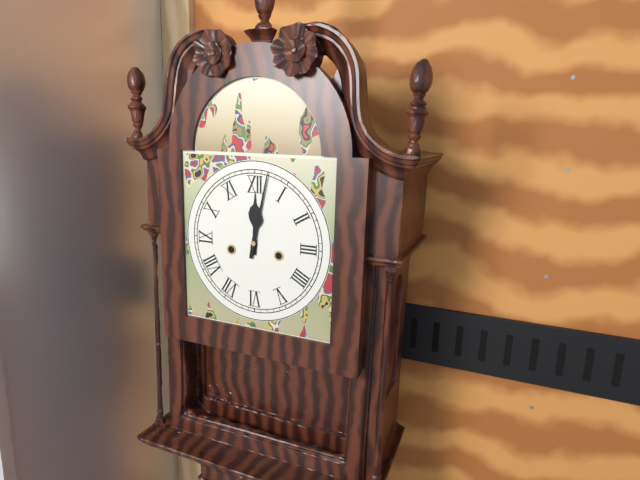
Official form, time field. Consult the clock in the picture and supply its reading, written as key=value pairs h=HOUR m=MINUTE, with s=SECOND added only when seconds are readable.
h=12 m=2
